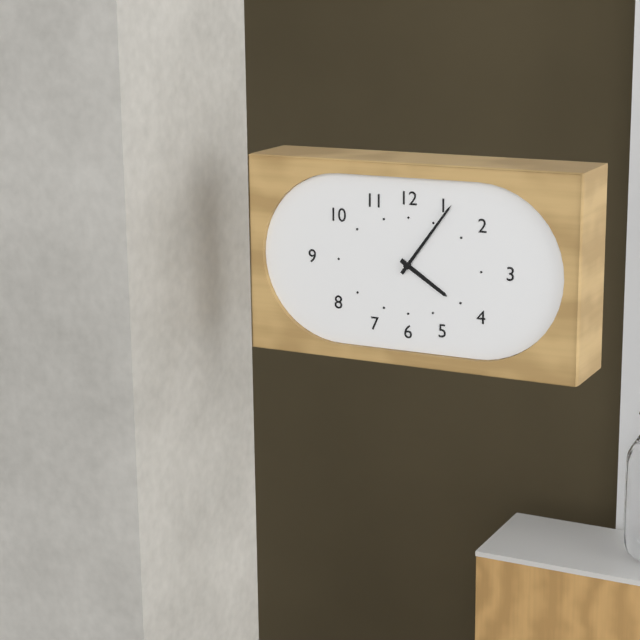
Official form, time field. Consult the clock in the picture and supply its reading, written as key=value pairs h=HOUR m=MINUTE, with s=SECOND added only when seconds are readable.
h=4 m=6
